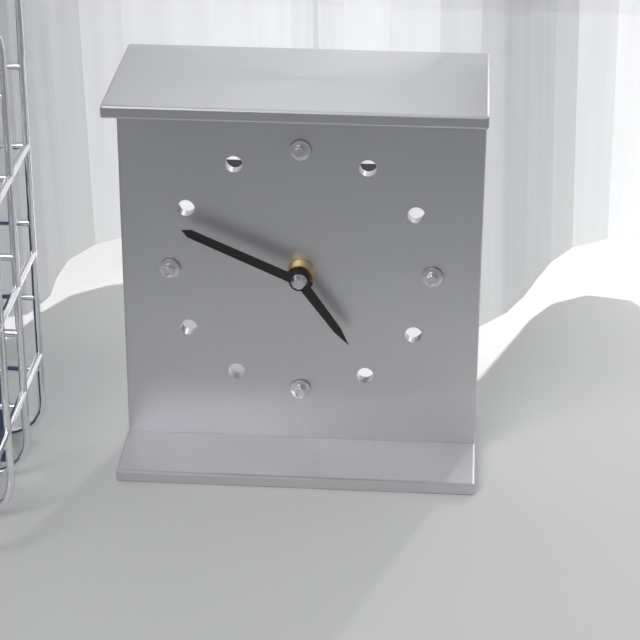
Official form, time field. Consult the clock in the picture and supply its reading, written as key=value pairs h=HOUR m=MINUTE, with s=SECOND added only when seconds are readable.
h=4 m=49
